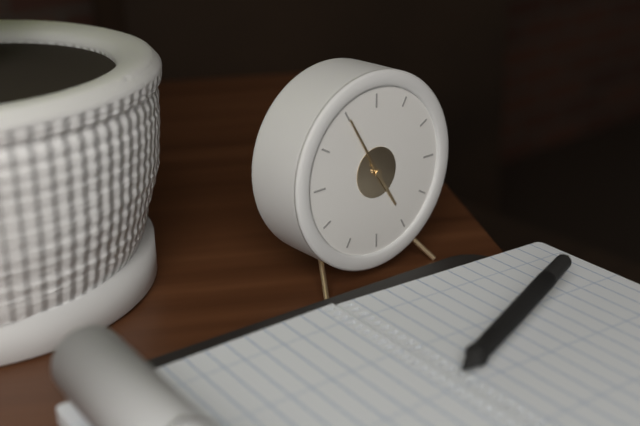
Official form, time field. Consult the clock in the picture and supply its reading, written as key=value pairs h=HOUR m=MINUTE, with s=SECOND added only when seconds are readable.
h=4 m=55
